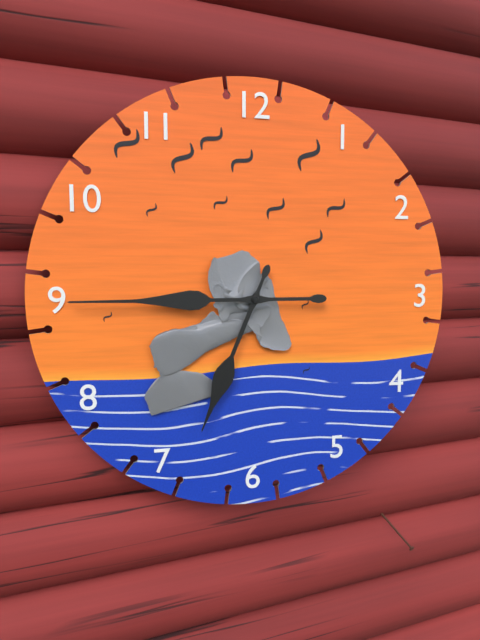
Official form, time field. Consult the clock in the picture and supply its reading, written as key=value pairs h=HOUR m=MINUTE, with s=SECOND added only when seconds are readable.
h=6 m=45
